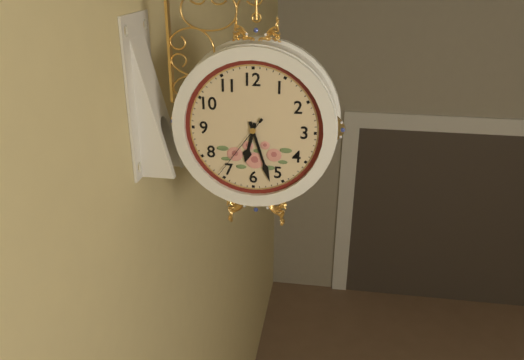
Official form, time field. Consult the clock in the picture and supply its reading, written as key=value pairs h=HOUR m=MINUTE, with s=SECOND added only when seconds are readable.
h=6 m=27 s=36
